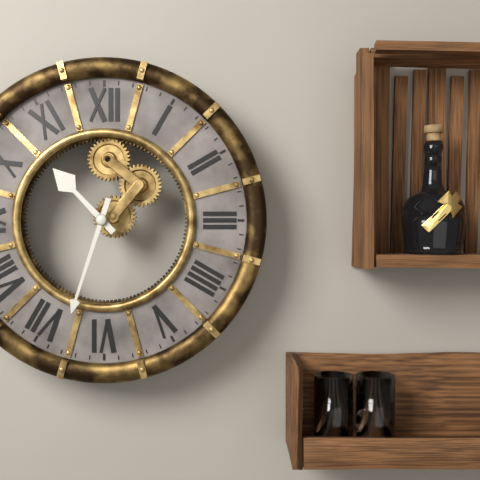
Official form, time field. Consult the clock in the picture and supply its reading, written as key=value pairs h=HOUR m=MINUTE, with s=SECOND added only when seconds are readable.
h=10 m=33
